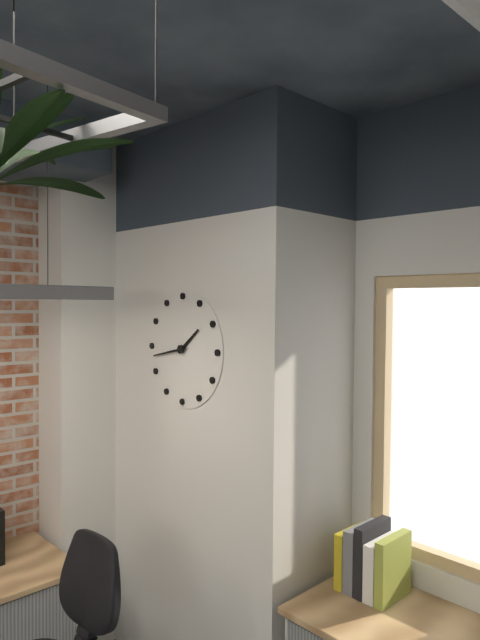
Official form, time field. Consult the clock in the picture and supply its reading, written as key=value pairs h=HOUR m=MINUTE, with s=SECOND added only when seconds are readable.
h=1 m=43
